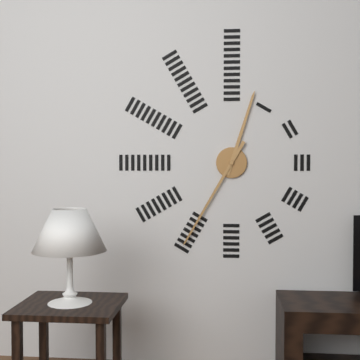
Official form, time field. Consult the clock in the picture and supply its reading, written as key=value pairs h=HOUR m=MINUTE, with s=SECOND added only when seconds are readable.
h=12 m=35
